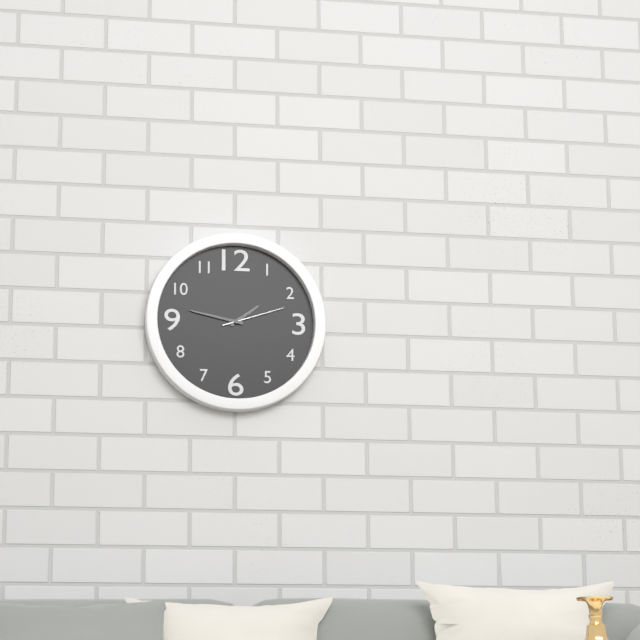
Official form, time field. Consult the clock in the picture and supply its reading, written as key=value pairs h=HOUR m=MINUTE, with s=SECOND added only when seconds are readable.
h=1 m=47 s=12
